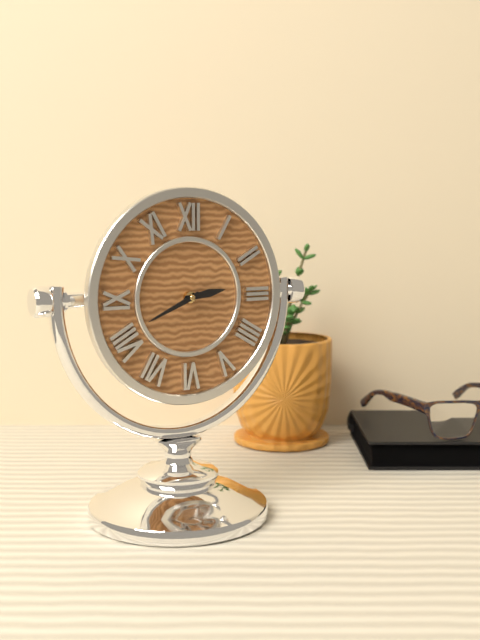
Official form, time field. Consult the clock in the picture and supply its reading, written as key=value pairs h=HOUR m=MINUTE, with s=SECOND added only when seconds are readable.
h=2 m=41
